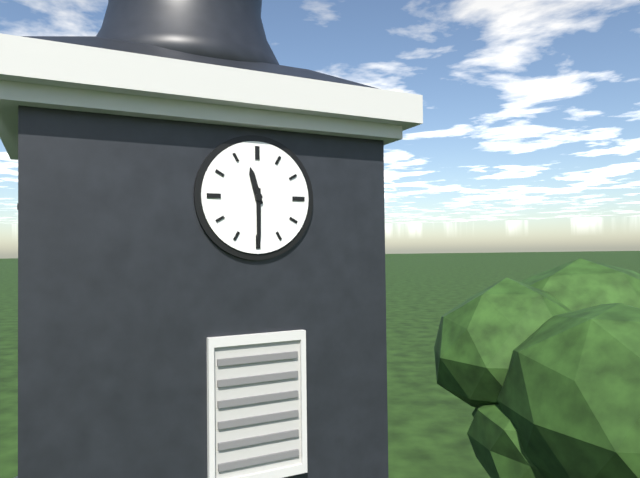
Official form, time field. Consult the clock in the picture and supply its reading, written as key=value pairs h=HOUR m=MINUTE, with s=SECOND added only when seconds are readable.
h=11 m=30
